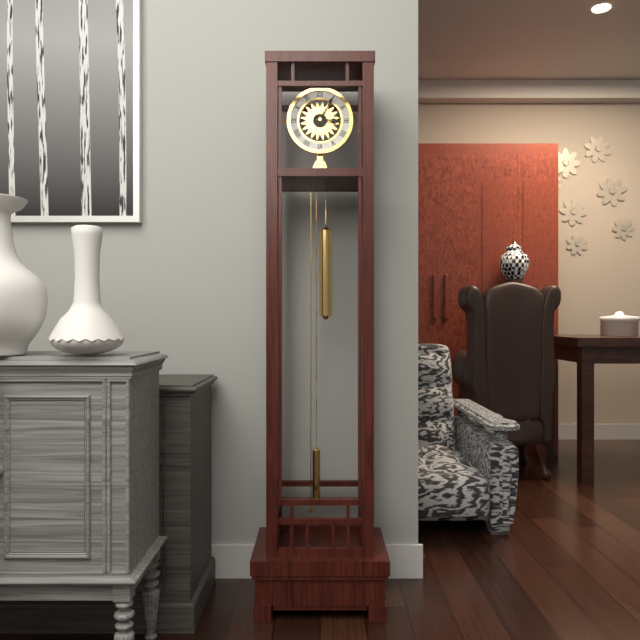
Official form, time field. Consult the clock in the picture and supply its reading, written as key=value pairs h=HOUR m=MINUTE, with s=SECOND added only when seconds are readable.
h=3 m=5
